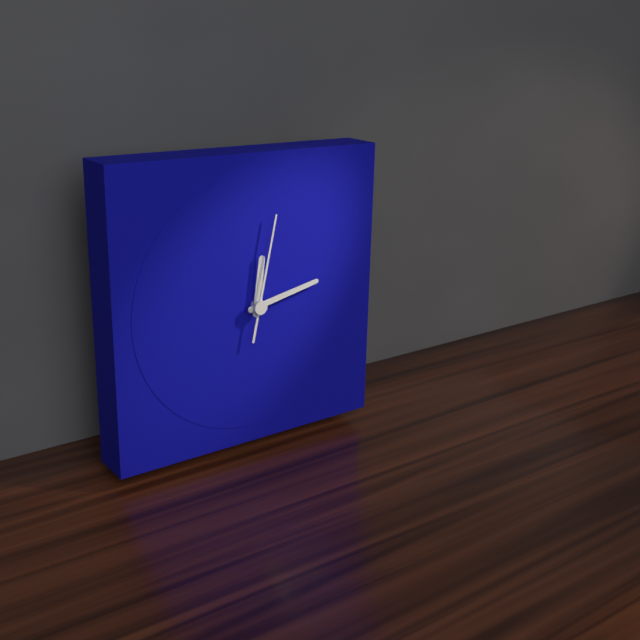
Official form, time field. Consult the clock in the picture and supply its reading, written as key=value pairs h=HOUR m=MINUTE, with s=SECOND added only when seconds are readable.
h=12 m=13 s=2
